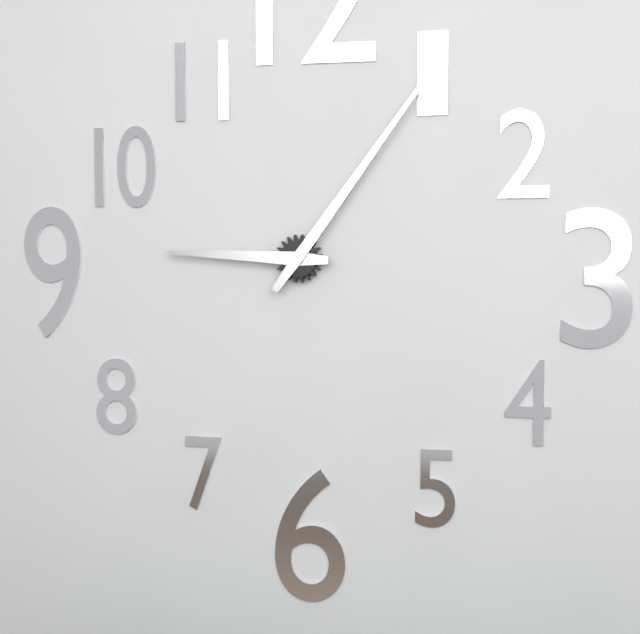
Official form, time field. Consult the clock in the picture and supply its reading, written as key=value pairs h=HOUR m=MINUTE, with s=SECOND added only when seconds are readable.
h=9 m=6
